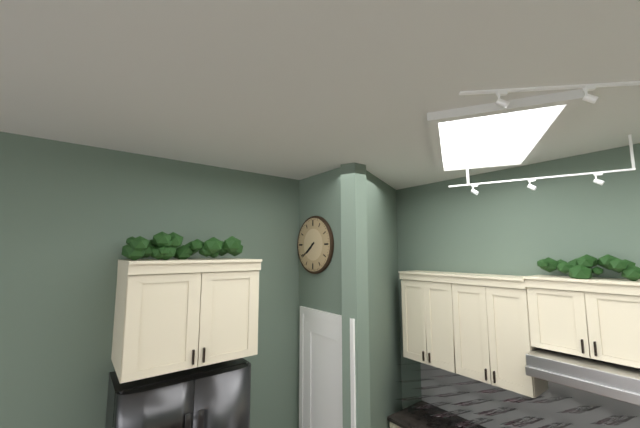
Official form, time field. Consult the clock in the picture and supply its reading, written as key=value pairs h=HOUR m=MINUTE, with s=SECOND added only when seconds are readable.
h=7 m=39
